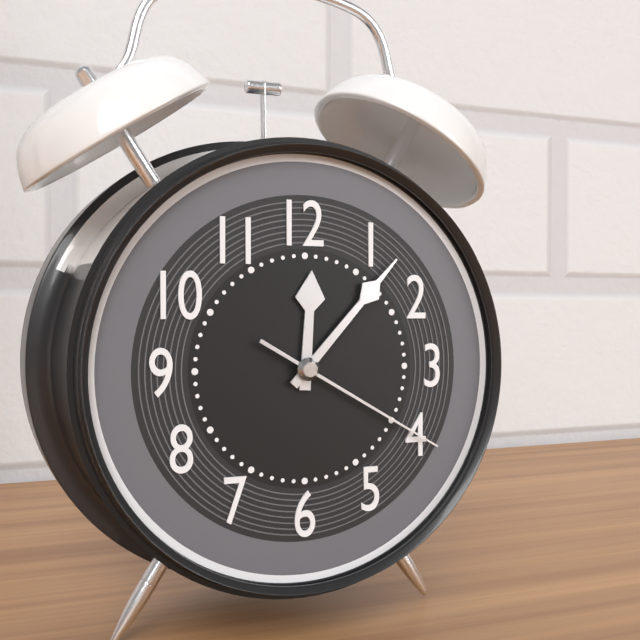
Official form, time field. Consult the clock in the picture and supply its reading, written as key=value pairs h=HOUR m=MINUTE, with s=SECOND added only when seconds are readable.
h=12 m=7 s=20
